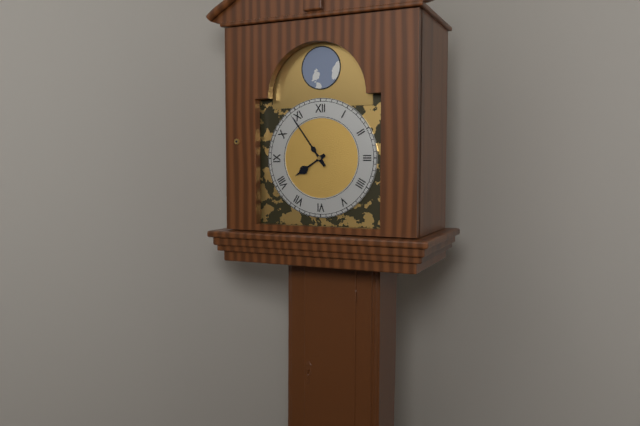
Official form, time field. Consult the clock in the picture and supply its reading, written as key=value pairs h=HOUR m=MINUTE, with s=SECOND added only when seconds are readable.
h=7 m=54
